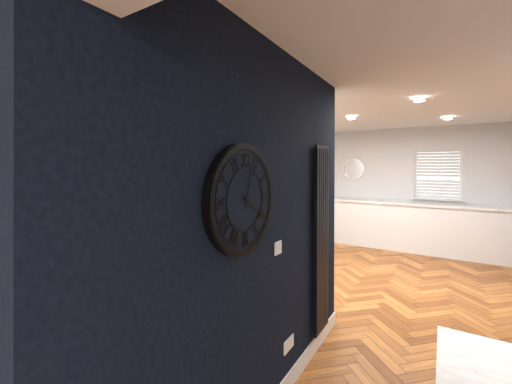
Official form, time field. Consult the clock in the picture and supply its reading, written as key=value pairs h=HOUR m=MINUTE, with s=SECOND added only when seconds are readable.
h=4 m=3
